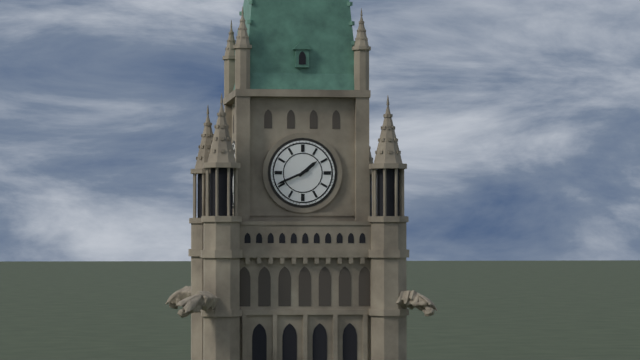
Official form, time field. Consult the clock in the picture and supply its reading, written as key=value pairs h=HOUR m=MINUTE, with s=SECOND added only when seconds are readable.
h=1 m=41
